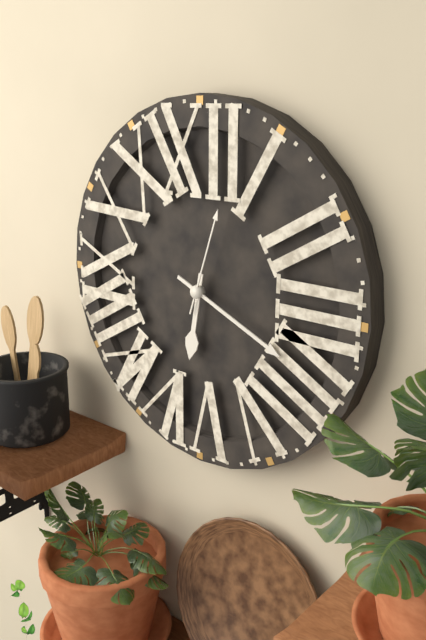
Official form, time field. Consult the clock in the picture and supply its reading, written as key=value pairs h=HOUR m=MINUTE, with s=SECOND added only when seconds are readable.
h=6 m=19 s=3
